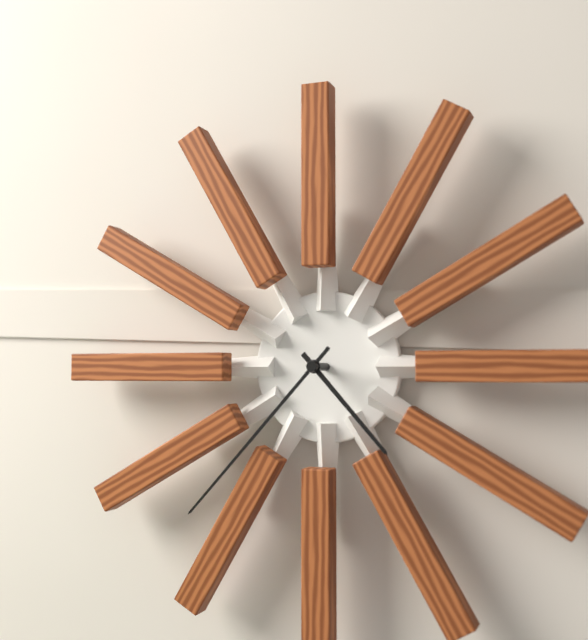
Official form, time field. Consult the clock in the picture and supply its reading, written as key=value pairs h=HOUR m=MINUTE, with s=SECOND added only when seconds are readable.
h=4 m=37
